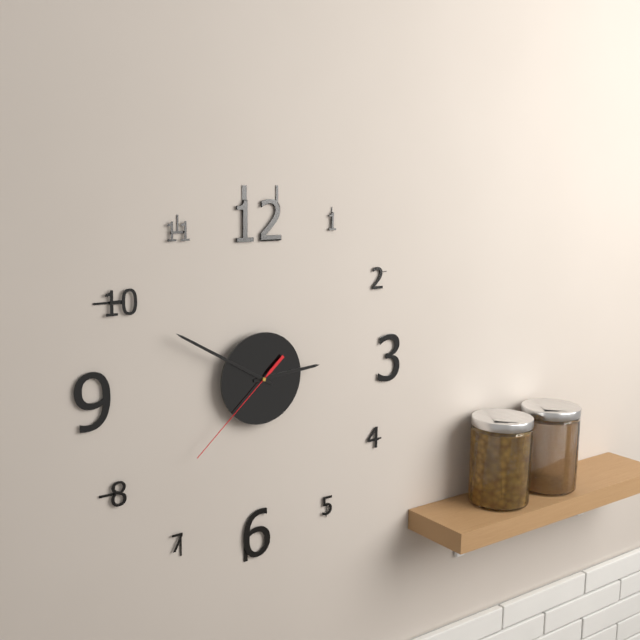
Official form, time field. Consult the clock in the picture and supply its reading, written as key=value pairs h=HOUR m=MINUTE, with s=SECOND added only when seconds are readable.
h=2 m=50 s=38
